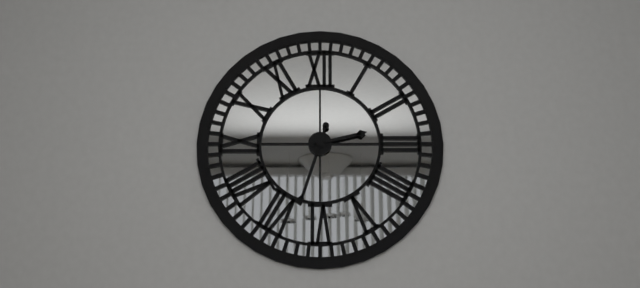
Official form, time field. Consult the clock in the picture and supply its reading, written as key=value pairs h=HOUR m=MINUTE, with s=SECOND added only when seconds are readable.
h=2 m=33
